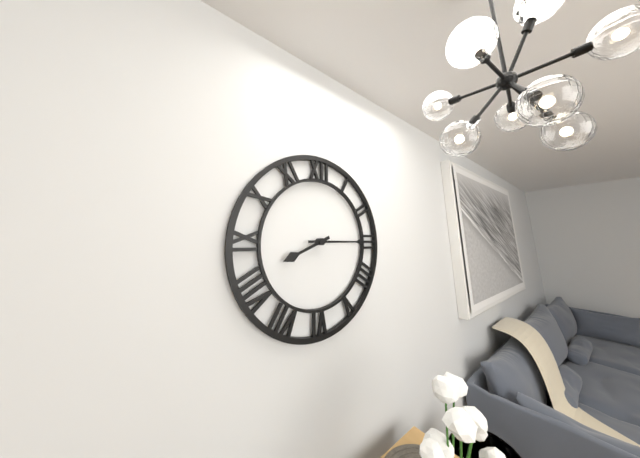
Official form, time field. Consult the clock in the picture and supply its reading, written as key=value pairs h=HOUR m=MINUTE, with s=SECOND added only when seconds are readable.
h=8 m=15
